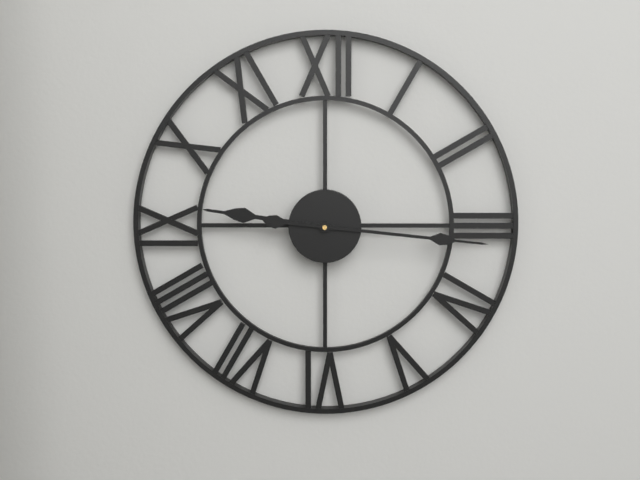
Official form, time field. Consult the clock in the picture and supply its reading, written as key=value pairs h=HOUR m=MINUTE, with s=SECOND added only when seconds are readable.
h=9 m=16
